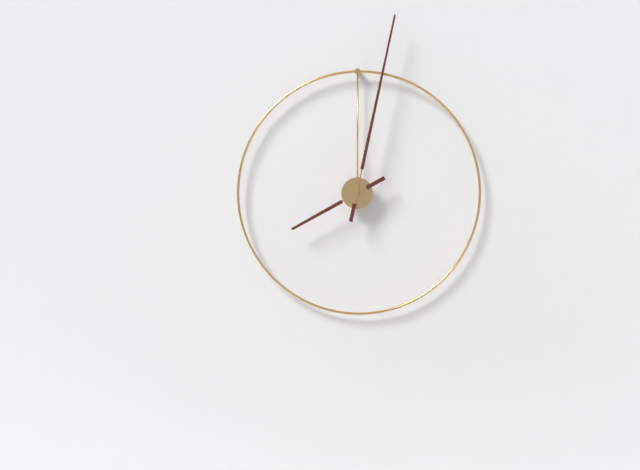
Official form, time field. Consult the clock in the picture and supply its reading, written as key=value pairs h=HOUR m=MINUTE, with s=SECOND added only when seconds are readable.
h=8 m=2
